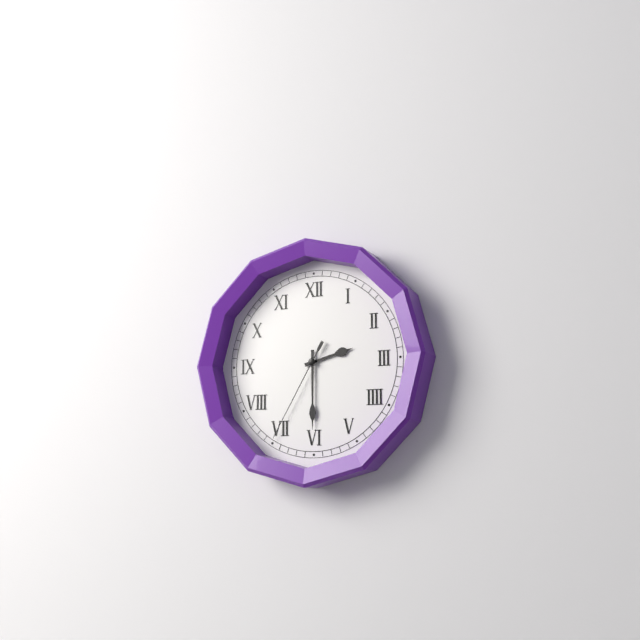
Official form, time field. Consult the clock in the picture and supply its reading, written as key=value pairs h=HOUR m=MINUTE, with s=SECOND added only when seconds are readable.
h=2 m=30 s=35
